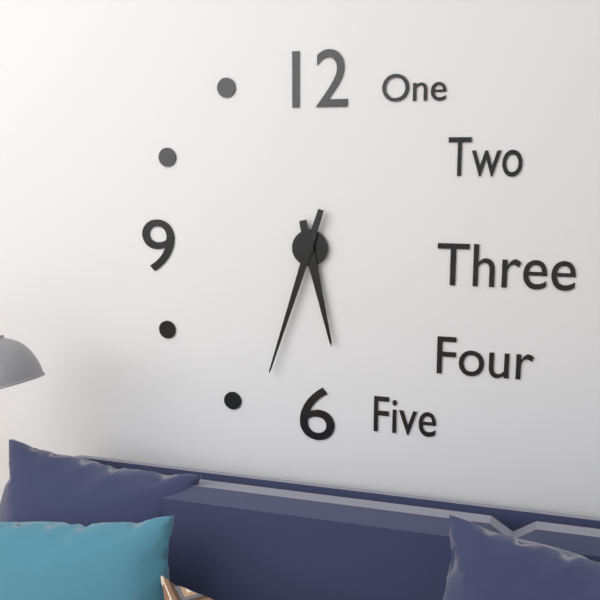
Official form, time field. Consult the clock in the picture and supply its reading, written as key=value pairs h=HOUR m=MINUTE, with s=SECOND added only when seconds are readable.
h=5 m=33
